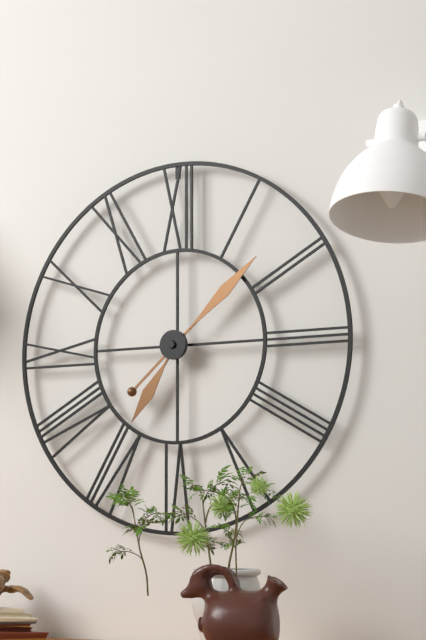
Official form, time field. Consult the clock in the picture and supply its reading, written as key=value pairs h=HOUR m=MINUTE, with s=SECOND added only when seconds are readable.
h=7 m=8
